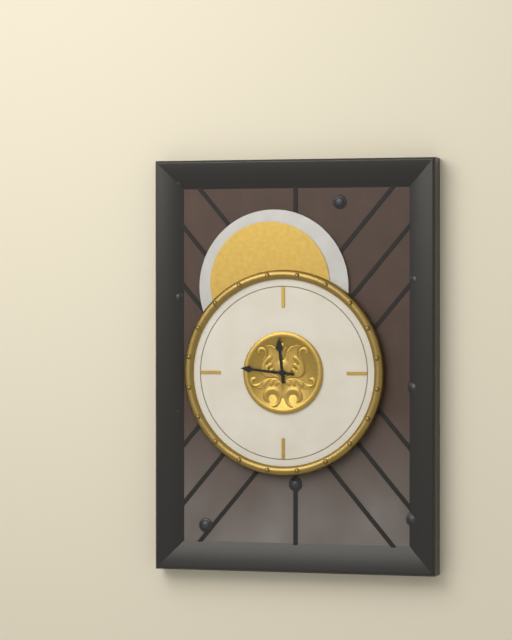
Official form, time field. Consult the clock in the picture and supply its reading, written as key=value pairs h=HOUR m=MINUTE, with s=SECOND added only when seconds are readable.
h=11 m=46
